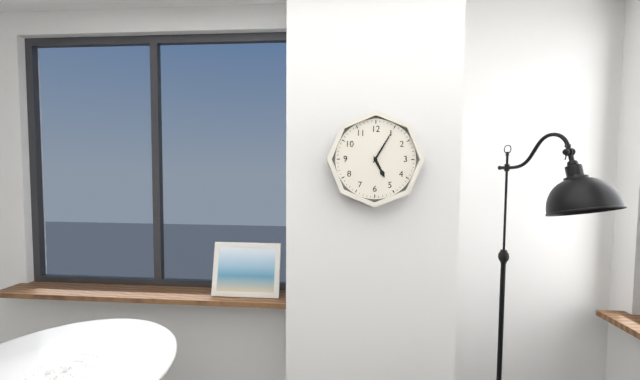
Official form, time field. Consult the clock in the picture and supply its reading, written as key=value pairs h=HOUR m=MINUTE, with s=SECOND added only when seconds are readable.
h=5 m=5
